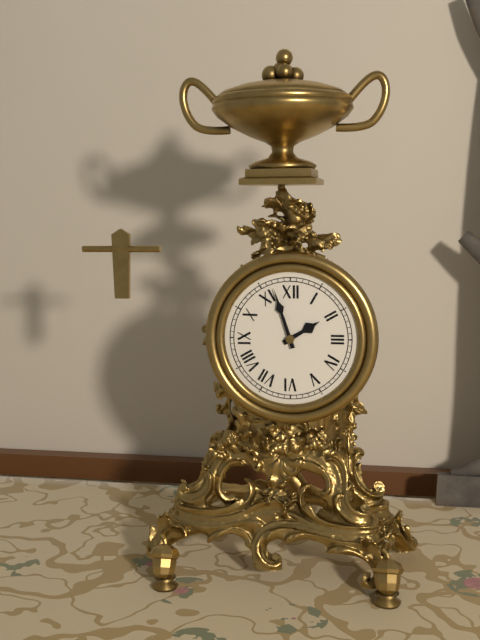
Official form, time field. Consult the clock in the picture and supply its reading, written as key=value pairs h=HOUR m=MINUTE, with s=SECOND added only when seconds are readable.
h=1 m=57
